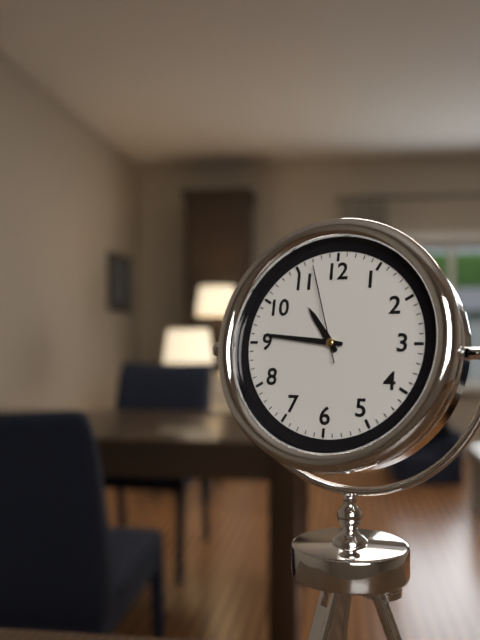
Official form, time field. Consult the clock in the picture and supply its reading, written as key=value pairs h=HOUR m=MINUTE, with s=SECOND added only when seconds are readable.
h=10 m=46 s=57
